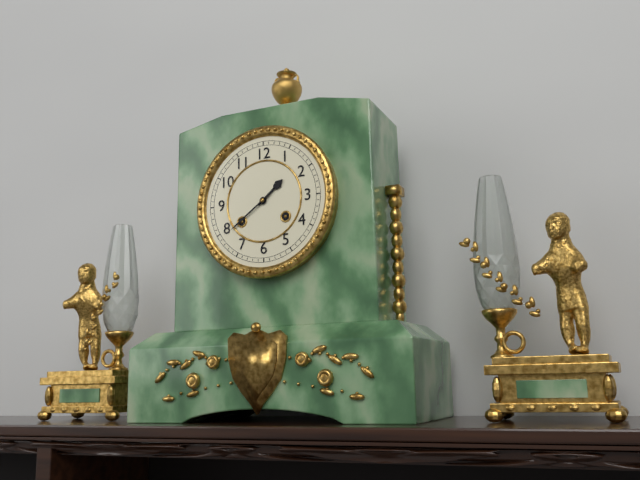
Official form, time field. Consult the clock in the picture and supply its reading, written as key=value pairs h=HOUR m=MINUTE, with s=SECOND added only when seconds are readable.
h=1 m=39
